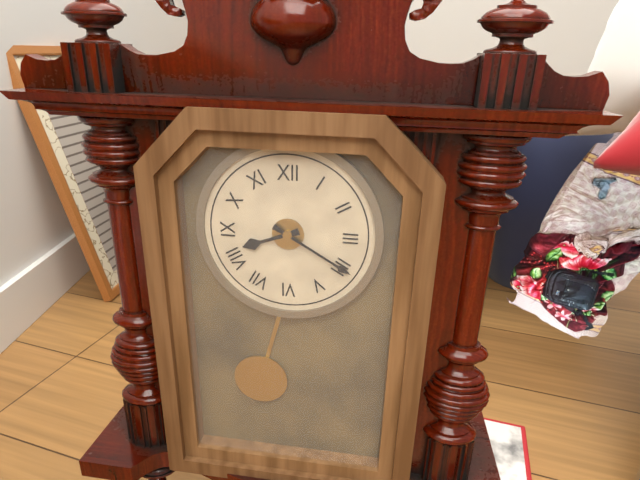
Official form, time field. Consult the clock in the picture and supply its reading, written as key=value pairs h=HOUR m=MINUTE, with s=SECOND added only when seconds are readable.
h=8 m=20
